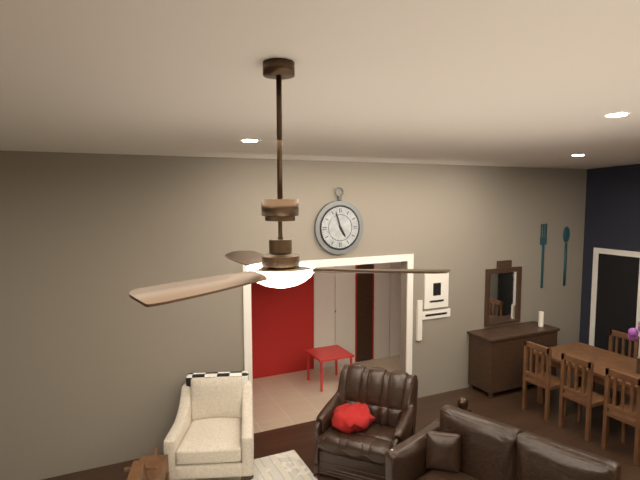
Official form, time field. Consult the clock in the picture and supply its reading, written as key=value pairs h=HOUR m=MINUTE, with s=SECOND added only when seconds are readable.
h=4 m=57
